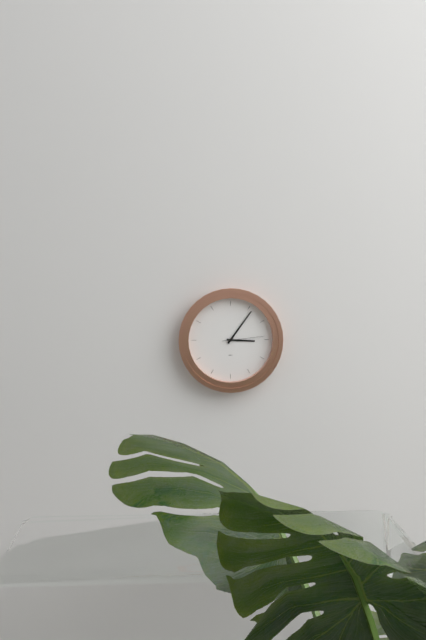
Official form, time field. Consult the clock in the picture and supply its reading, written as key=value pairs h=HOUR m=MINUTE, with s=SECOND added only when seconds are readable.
h=3 m=6
